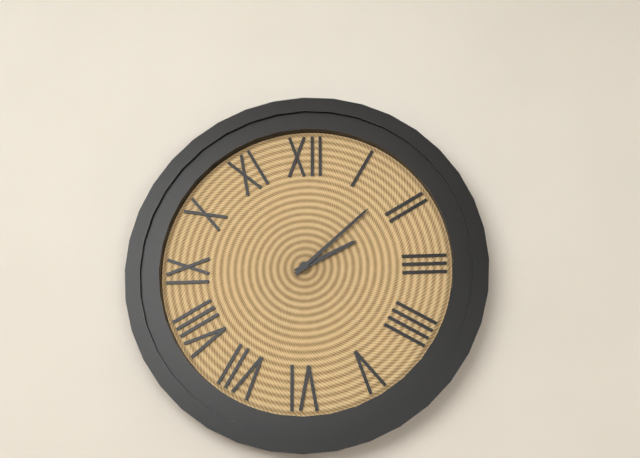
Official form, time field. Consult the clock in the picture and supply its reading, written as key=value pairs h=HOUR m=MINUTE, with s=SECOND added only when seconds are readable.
h=2 m=8
